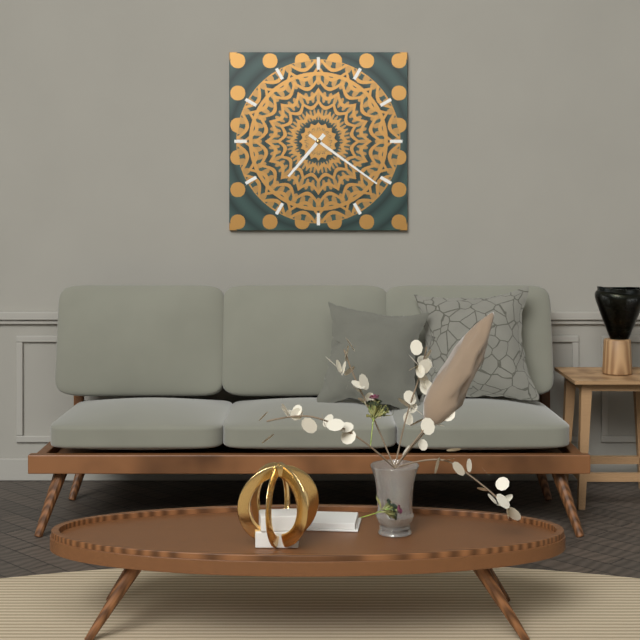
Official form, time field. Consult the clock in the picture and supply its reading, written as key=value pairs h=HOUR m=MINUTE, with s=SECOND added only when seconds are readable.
h=7 m=21
